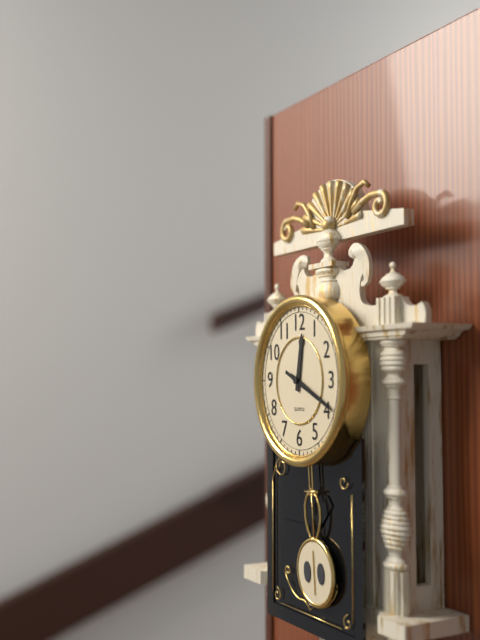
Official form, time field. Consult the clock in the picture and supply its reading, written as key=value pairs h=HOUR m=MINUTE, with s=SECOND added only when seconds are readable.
h=12 m=19 s=19
